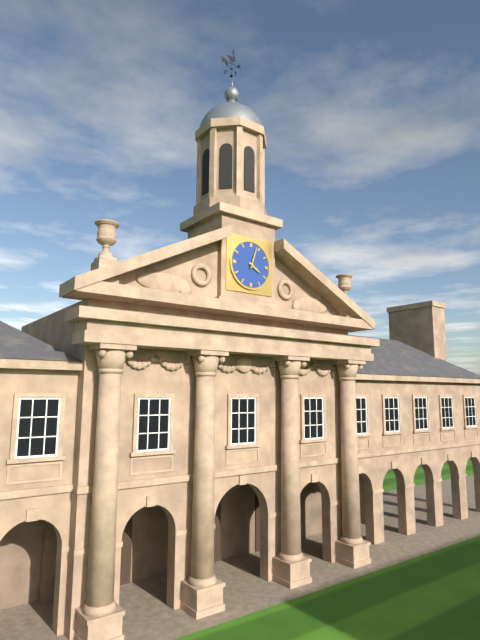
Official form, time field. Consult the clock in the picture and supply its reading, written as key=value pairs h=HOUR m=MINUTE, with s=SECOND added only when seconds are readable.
h=4 m=3
